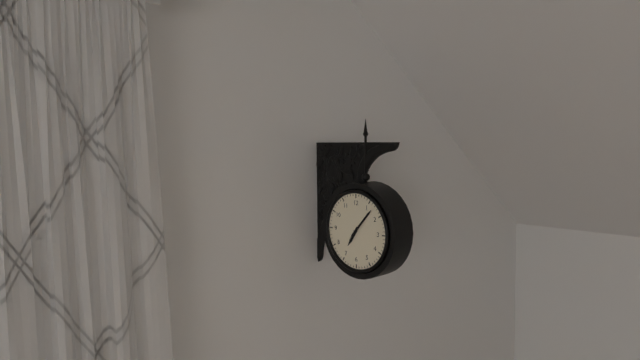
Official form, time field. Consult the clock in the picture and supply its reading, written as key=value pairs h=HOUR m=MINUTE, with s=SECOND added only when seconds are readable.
h=7 m=7
